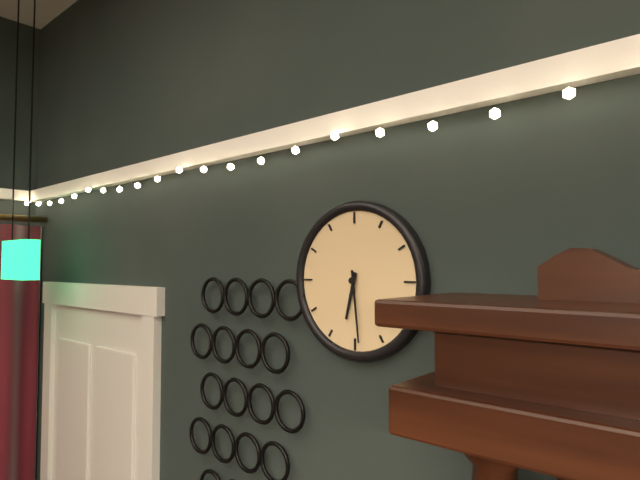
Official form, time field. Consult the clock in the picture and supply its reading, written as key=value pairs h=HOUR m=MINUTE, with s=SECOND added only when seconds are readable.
h=6 m=29
